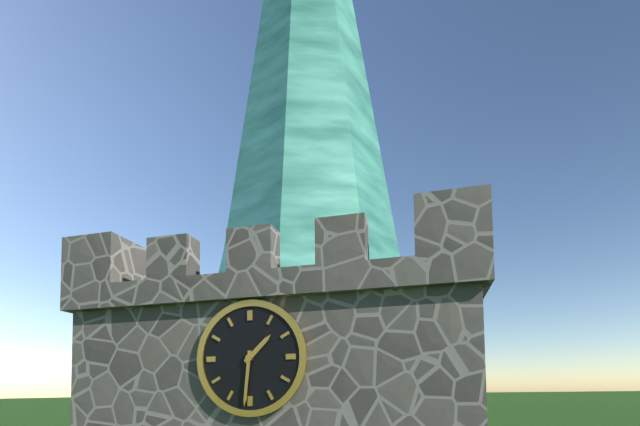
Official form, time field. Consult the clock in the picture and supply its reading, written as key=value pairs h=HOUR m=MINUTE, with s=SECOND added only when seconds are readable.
h=1 m=31
